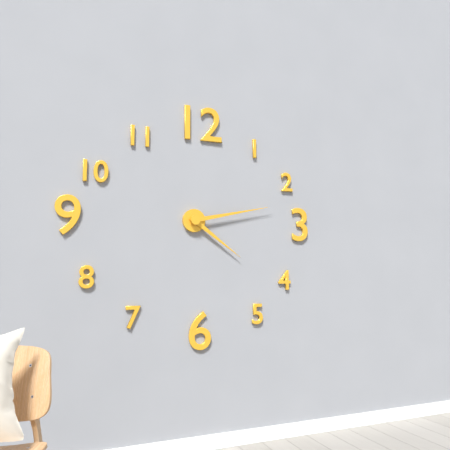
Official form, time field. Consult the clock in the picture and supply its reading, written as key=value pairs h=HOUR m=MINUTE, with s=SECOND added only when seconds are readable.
h=4 m=13
